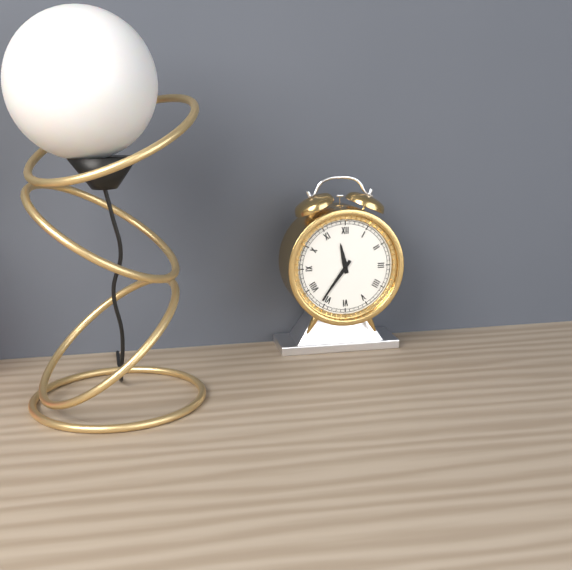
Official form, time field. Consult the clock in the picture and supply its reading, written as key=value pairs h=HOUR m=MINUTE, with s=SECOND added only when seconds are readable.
h=11 m=36
